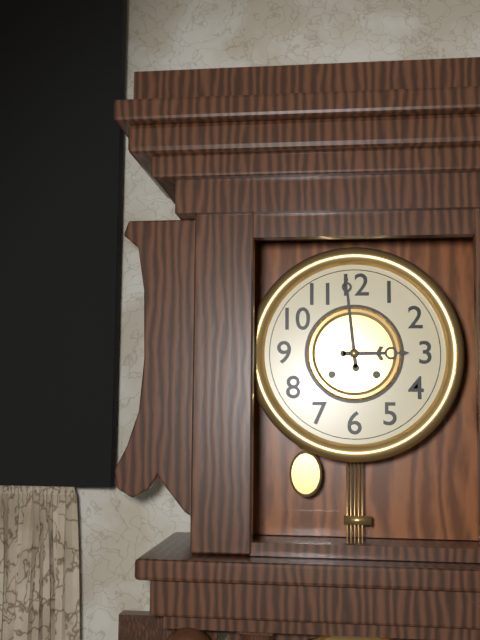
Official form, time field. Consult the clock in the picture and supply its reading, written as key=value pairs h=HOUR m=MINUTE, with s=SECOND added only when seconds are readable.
h=2 m=59
